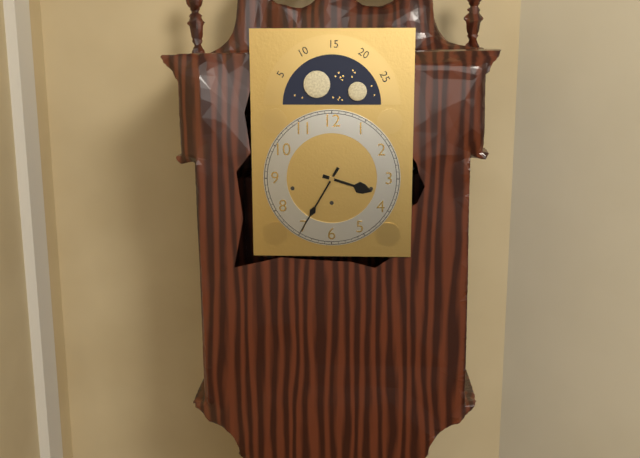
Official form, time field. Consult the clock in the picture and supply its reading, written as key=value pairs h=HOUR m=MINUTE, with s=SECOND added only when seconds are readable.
h=3 m=35
